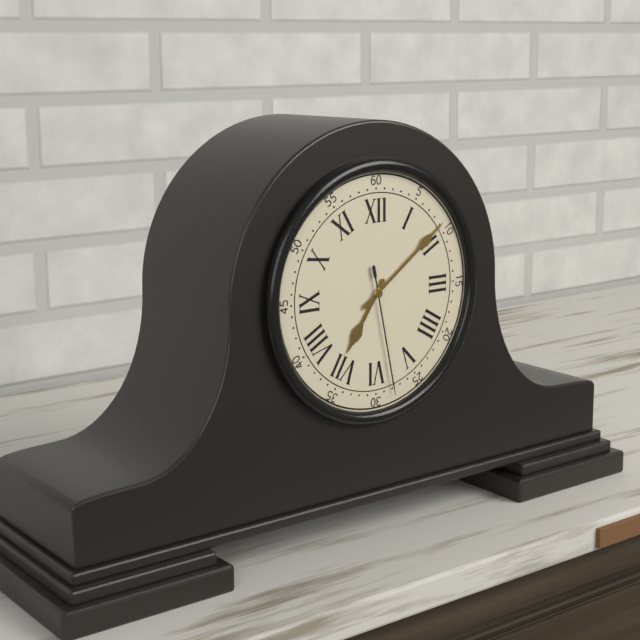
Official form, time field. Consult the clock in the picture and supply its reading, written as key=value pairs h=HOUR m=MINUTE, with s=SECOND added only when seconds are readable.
h=7 m=9 s=28
